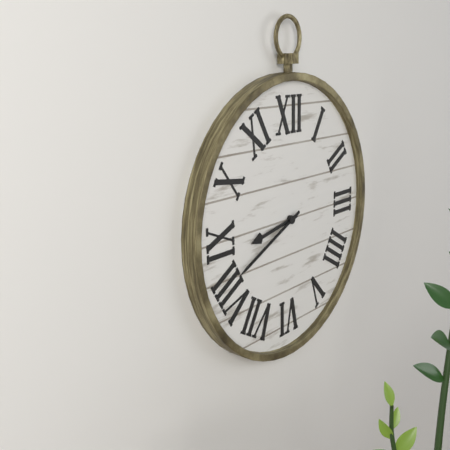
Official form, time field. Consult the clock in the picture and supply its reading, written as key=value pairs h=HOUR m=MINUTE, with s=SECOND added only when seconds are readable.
h=8 m=41
